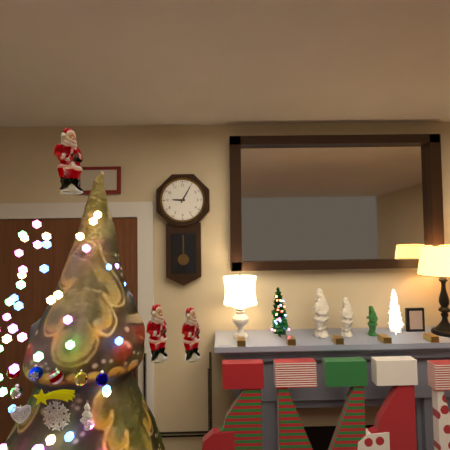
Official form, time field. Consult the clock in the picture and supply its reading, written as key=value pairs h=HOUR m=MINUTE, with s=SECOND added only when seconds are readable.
h=9 m=5
